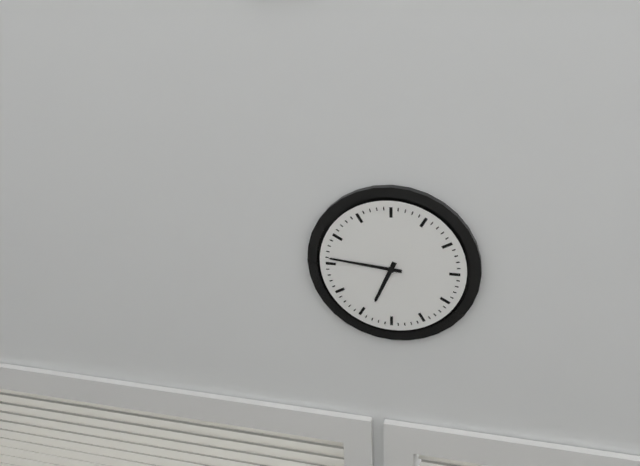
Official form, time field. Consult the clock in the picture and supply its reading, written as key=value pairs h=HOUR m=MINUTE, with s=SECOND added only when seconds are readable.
h=6 m=46
